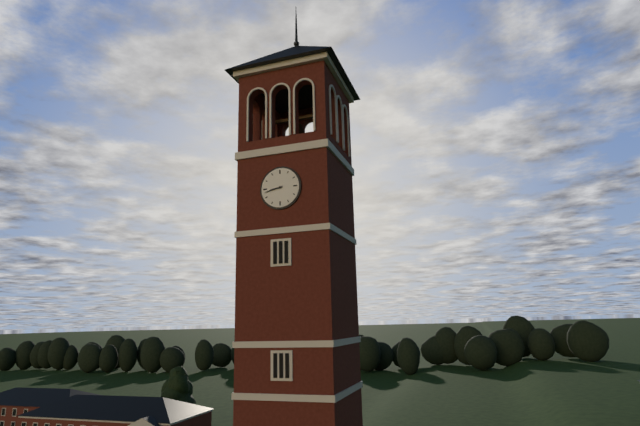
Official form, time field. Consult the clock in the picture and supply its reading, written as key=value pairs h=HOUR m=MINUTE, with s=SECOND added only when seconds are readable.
h=8 m=43
